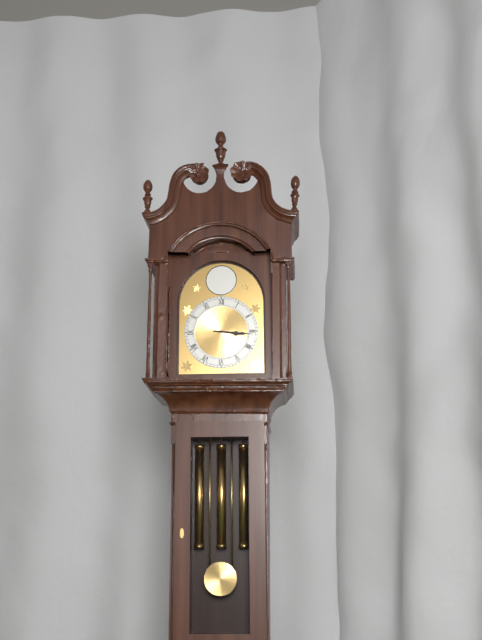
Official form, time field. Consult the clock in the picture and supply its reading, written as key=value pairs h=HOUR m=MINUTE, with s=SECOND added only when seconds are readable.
h=3 m=16
